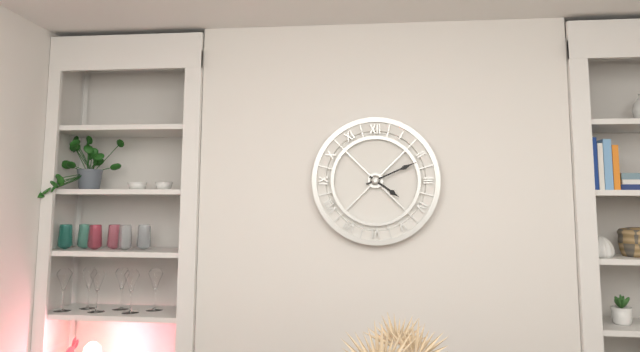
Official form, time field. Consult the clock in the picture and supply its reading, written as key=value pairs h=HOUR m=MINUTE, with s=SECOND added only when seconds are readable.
h=4 m=11
